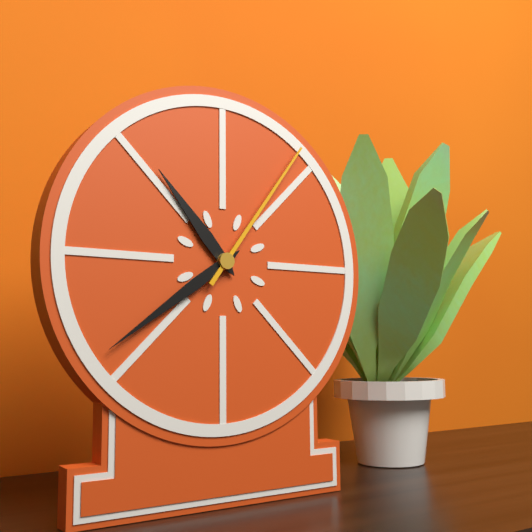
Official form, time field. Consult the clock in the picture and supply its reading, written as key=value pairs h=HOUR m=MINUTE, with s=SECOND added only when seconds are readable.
h=10 m=39 s=6
